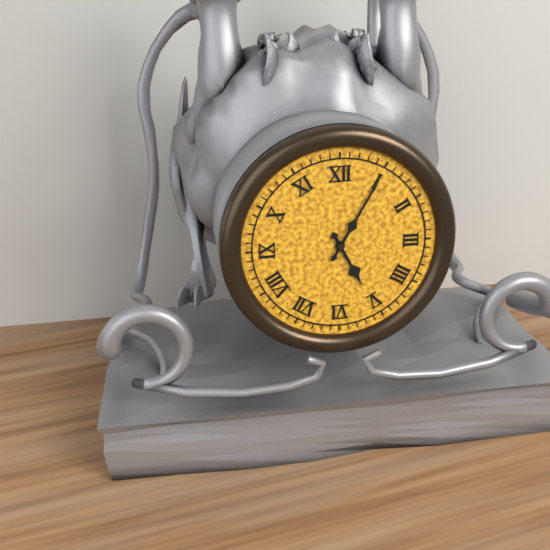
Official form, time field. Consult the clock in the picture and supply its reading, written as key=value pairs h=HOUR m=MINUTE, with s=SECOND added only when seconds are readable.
h=5 m=5
